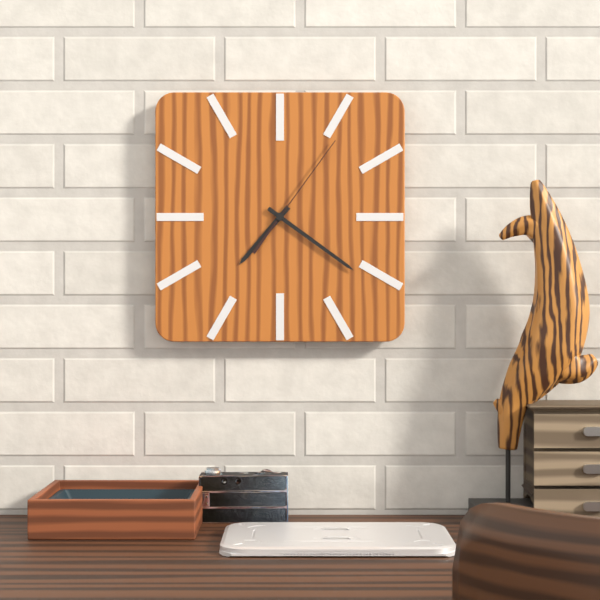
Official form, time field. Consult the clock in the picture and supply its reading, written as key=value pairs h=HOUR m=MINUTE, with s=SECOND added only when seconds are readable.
h=7 m=21 s=6
